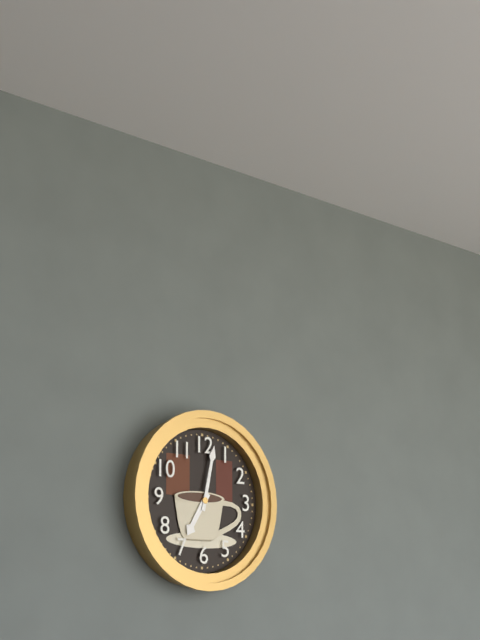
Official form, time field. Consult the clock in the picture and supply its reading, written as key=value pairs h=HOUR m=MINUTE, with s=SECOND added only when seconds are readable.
h=7 m=2
